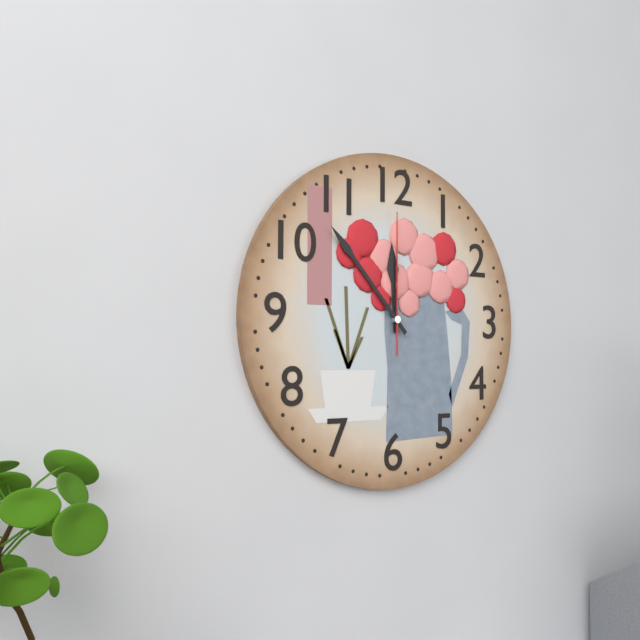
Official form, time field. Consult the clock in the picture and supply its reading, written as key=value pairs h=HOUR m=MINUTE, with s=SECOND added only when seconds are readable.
h=11 m=53 s=0
